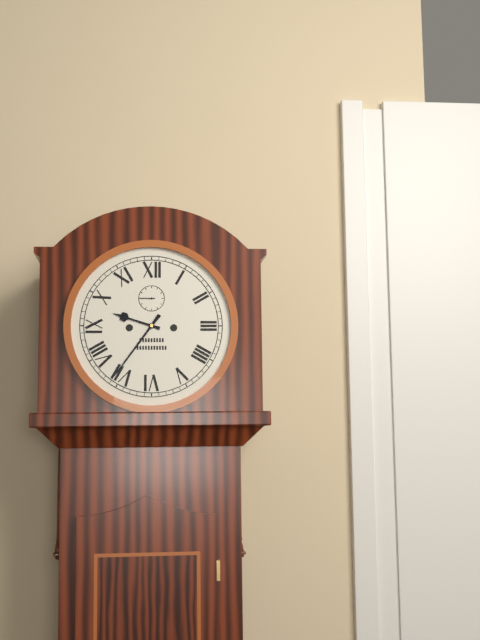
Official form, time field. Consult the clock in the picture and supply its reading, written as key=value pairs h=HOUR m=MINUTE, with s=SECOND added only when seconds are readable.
h=9 m=36
